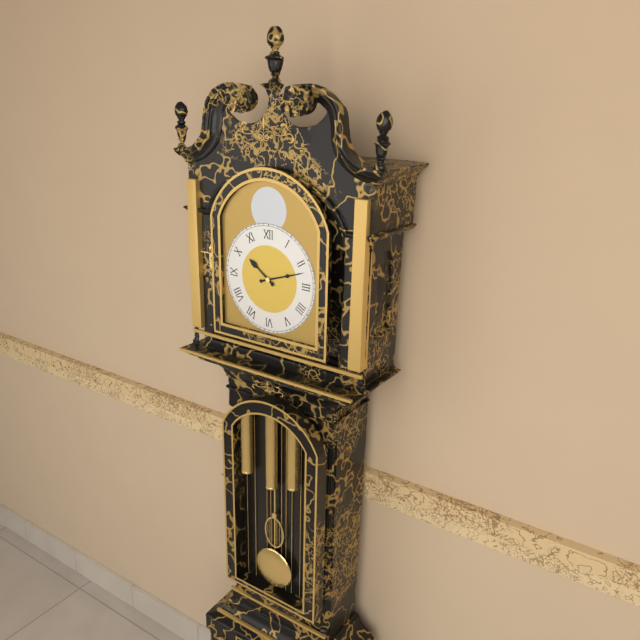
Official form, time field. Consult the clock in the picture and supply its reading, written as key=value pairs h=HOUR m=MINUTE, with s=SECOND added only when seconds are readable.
h=10 m=12
